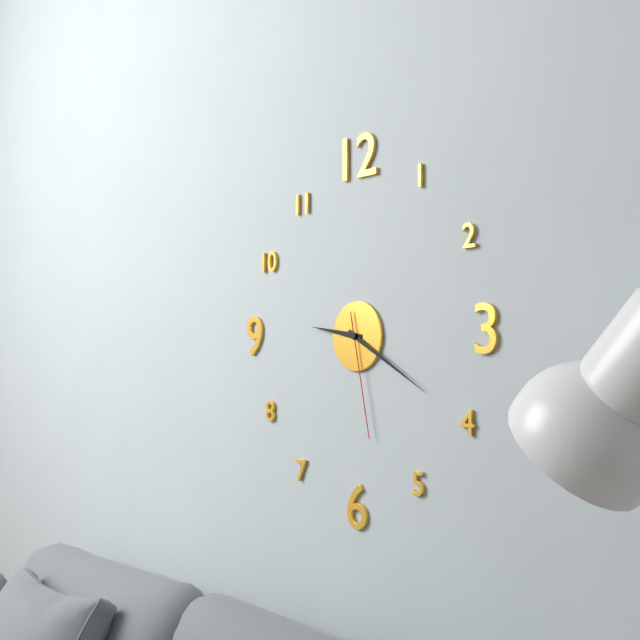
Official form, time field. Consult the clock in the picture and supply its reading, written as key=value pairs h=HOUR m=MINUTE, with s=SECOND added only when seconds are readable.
h=9 m=20 s=28
